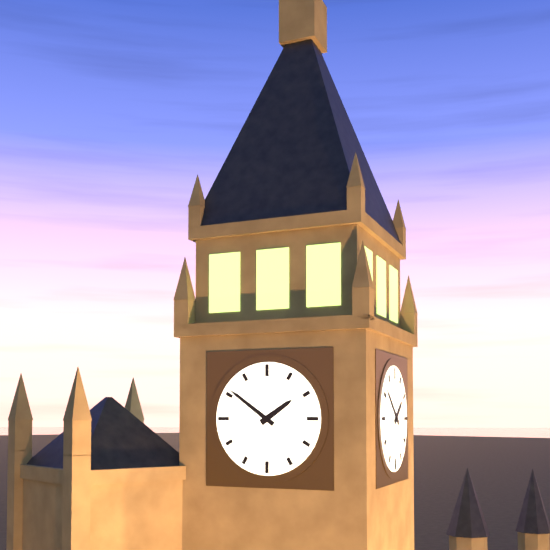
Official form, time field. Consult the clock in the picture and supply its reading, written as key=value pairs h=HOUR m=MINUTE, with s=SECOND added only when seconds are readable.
h=1 m=51
